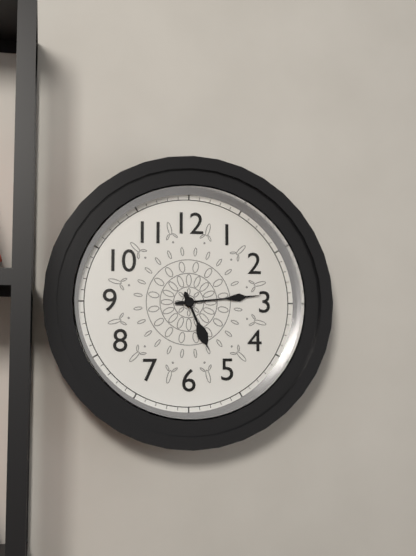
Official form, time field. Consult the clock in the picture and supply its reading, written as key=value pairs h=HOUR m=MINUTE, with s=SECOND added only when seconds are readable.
h=5 m=14
